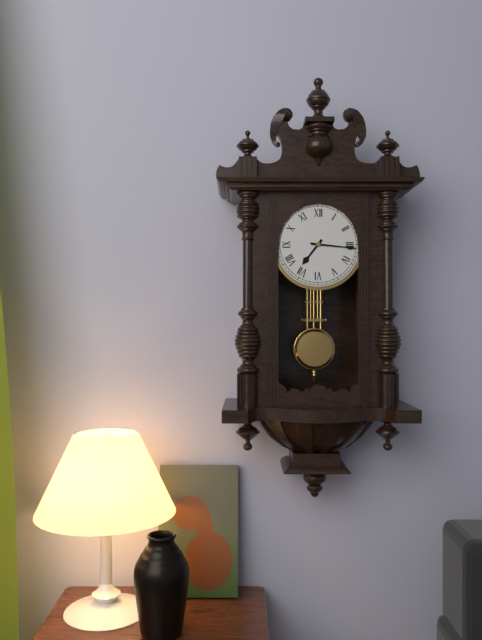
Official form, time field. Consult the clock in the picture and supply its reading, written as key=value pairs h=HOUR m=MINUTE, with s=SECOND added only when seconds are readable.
h=7 m=16
